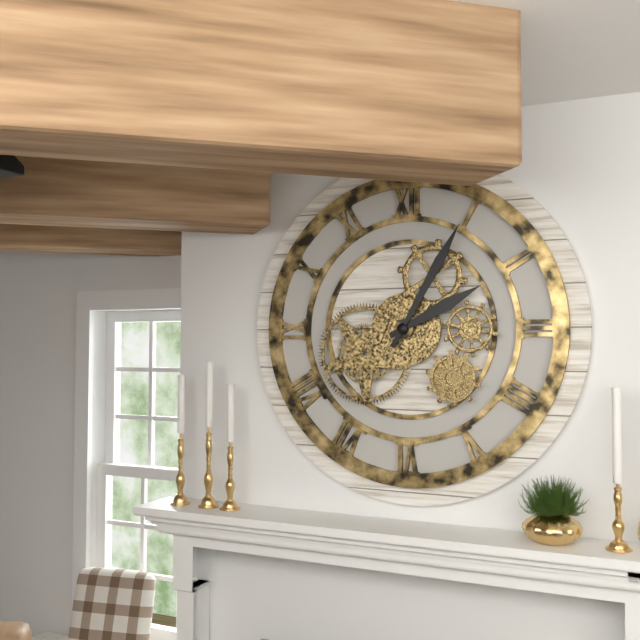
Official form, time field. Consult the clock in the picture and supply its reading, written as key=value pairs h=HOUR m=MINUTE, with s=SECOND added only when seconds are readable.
h=2 m=5
